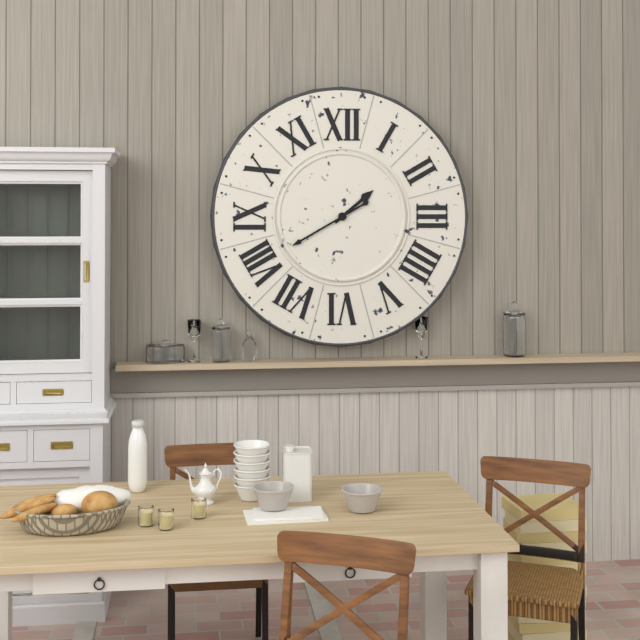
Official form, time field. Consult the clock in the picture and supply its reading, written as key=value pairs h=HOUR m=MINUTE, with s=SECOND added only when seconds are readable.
h=1 m=40
